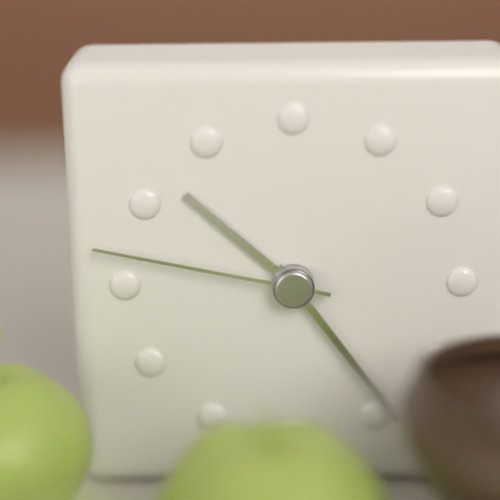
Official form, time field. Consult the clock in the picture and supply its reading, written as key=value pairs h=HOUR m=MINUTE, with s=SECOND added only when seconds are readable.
h=10 m=24 s=47
